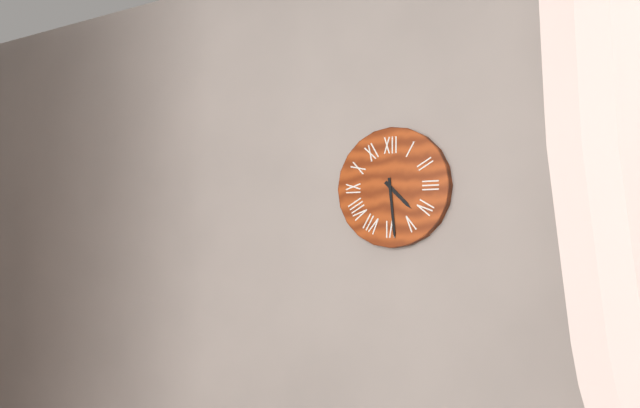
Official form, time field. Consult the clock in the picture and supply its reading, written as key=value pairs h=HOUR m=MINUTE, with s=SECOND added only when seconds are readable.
h=4 m=29
